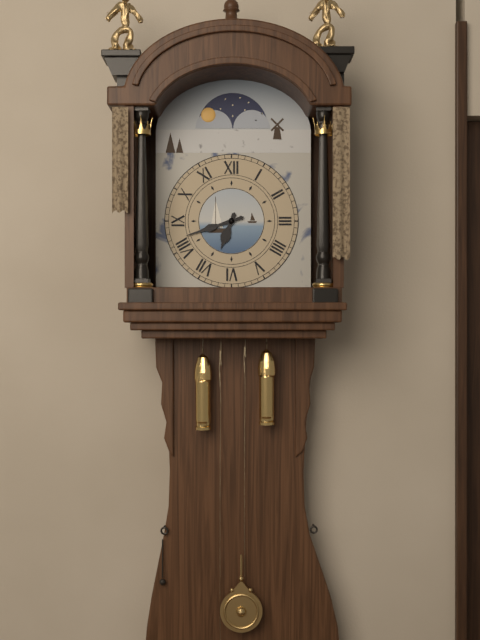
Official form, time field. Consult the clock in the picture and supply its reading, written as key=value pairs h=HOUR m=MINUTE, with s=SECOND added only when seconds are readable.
h=6 m=42
